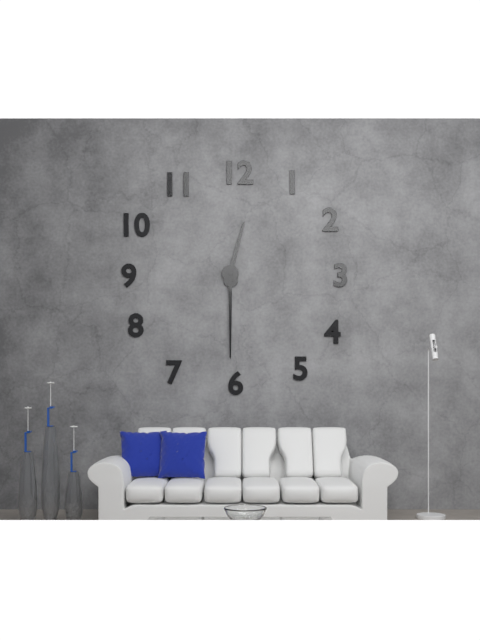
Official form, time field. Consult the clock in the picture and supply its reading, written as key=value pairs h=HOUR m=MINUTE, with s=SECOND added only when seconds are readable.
h=12 m=30
